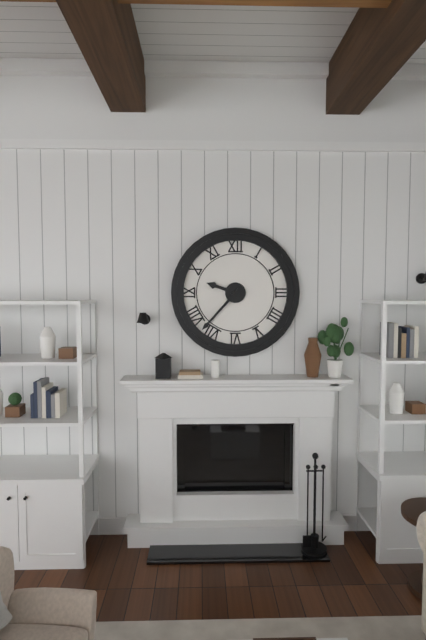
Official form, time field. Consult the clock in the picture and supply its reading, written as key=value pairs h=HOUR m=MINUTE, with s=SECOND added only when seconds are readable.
h=9 m=37
